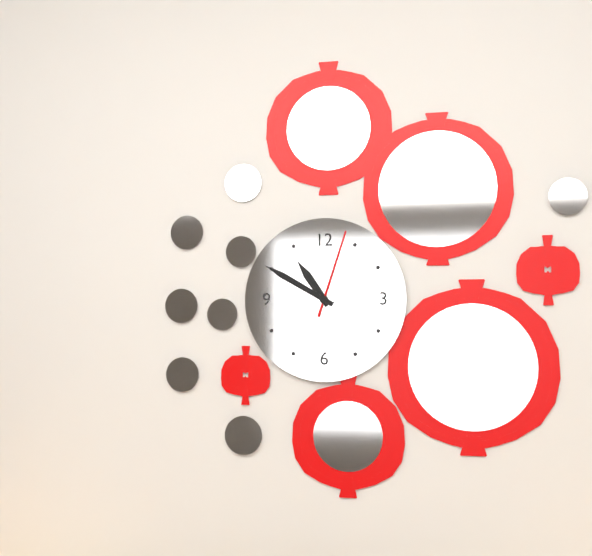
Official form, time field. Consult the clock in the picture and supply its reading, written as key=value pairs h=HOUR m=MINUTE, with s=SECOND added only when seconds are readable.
h=10 m=50 s=3
